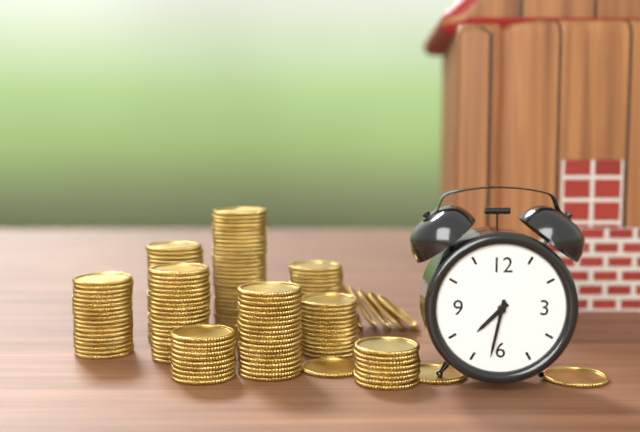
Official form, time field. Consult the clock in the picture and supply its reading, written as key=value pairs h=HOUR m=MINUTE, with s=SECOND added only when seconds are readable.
h=7 m=32
